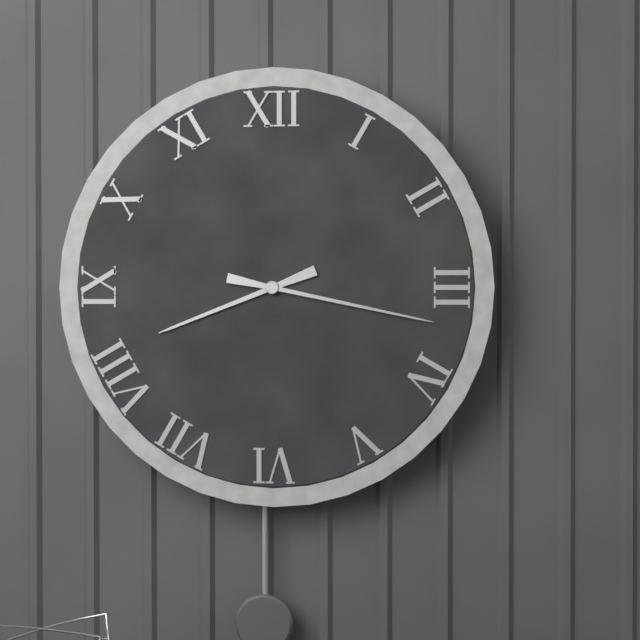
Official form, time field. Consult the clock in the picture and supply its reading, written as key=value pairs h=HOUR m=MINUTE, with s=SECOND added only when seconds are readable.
h=8 m=17
